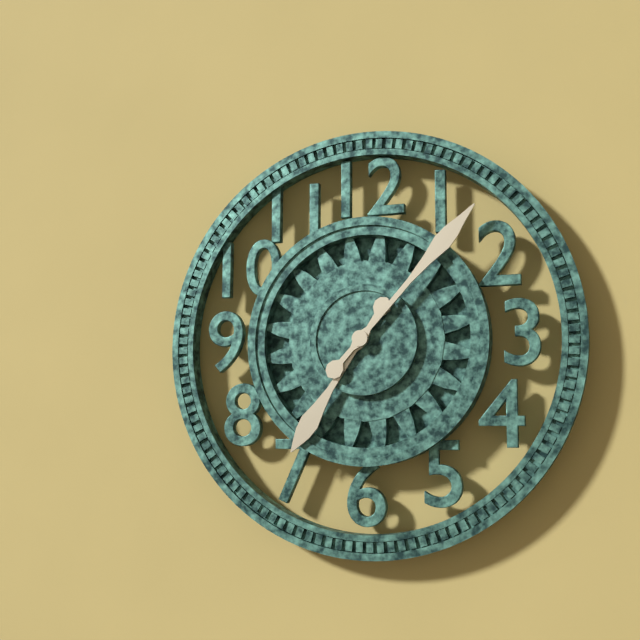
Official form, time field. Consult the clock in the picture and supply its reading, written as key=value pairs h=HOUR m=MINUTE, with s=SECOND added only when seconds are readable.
h=7 m=7
